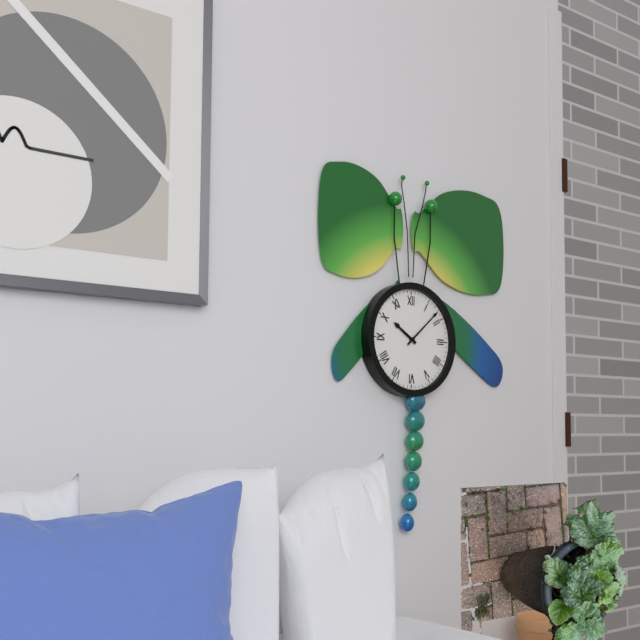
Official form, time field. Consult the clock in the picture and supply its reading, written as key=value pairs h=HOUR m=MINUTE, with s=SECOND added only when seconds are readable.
h=10 m=8
